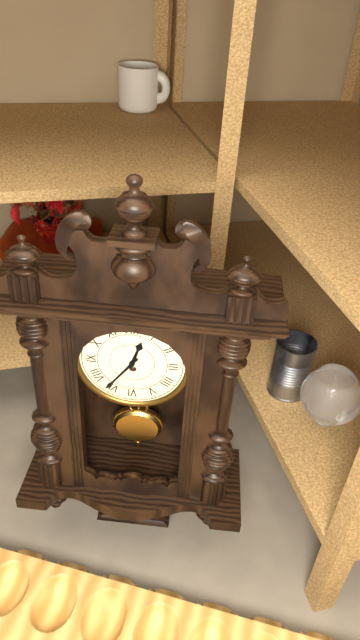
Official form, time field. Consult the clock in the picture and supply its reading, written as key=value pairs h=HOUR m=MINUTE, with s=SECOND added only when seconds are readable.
h=12 m=36
